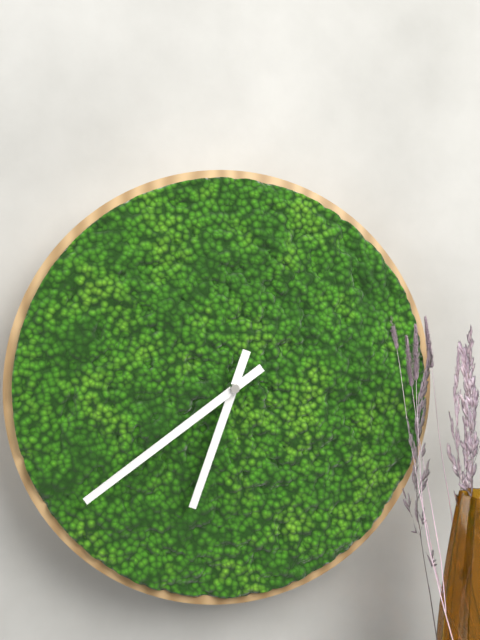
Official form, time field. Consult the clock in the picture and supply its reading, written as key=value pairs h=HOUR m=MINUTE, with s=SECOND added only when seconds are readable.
h=6 m=39
